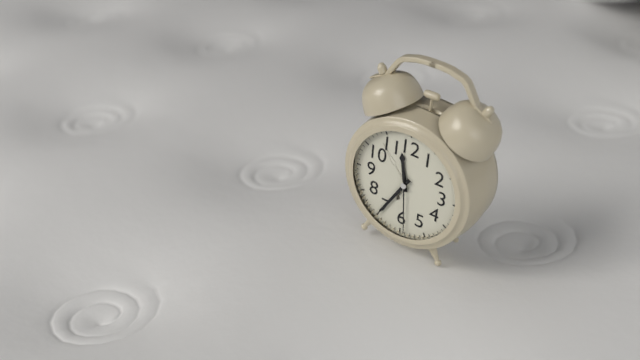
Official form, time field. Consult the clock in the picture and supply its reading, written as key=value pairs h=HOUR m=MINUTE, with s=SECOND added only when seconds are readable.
h=11 m=35 s=29
